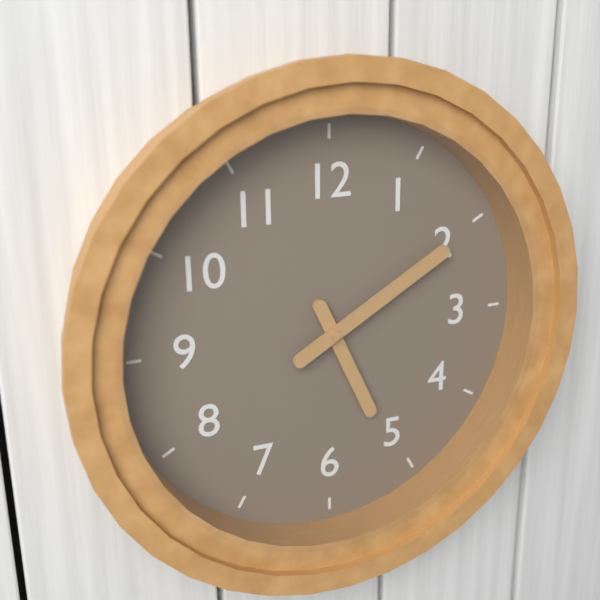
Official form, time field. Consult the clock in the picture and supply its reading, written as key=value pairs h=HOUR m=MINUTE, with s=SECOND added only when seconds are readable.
h=5 m=10
